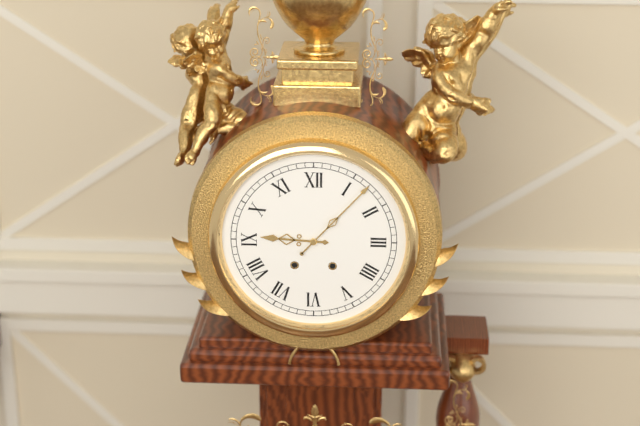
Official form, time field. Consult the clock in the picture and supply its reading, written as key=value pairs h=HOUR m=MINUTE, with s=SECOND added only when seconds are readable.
h=9 m=7
